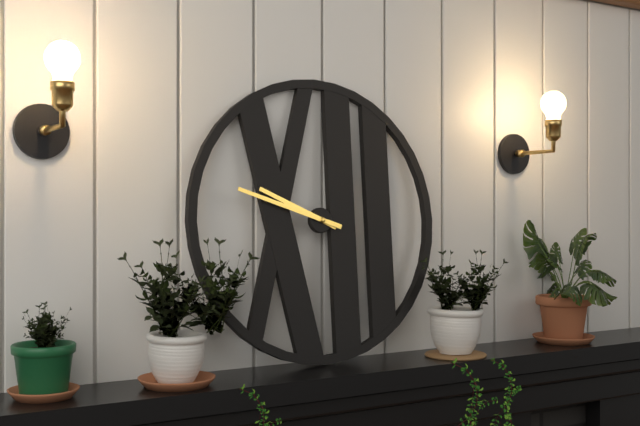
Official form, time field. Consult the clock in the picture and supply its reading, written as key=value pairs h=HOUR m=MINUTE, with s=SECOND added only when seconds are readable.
h=9 m=48
